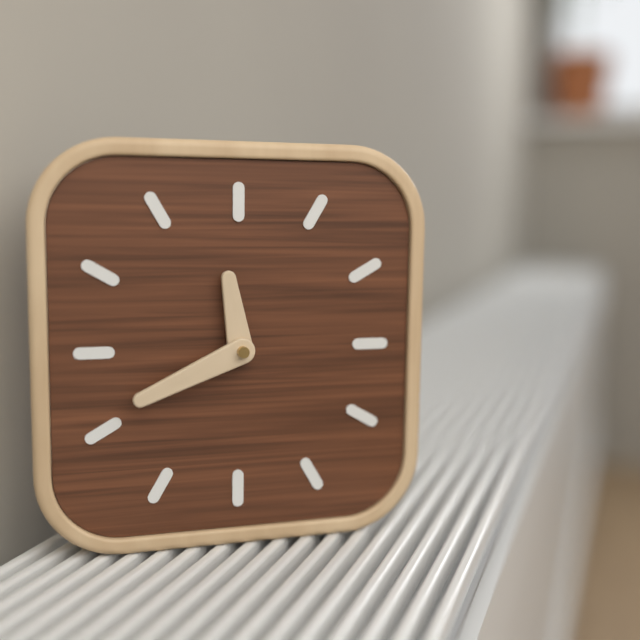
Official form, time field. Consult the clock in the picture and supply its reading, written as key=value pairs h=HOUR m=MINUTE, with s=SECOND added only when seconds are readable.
h=11 m=41
